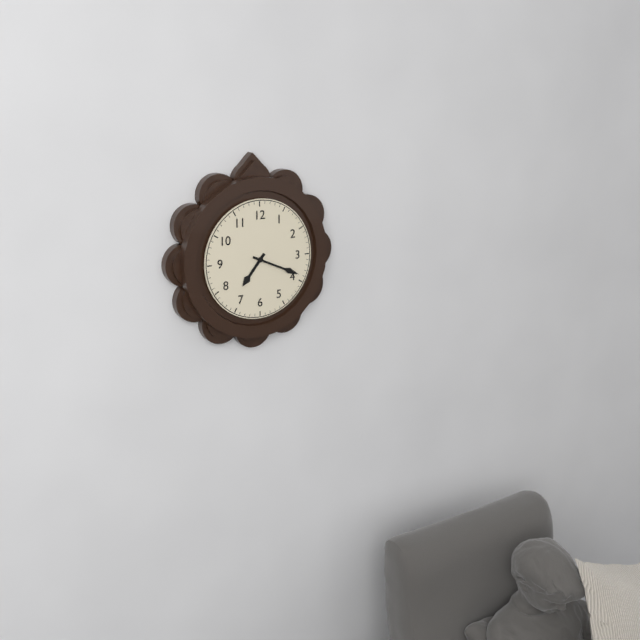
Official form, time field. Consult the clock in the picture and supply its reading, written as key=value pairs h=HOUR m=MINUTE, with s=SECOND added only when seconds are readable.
h=7 m=19
